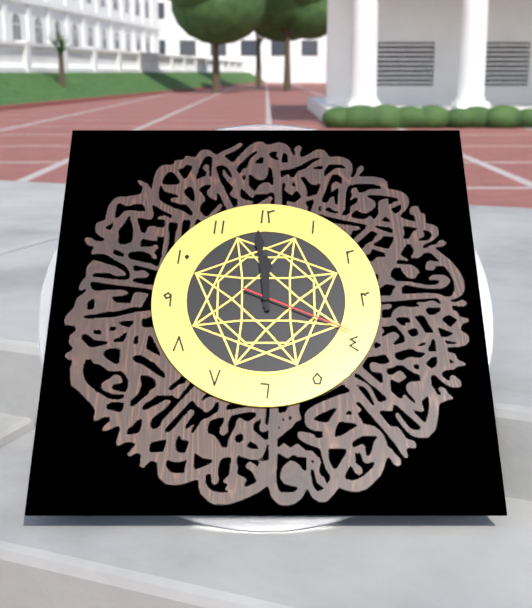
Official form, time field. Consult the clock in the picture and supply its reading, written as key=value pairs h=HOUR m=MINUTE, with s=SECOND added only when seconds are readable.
h=11 m=59 s=19
